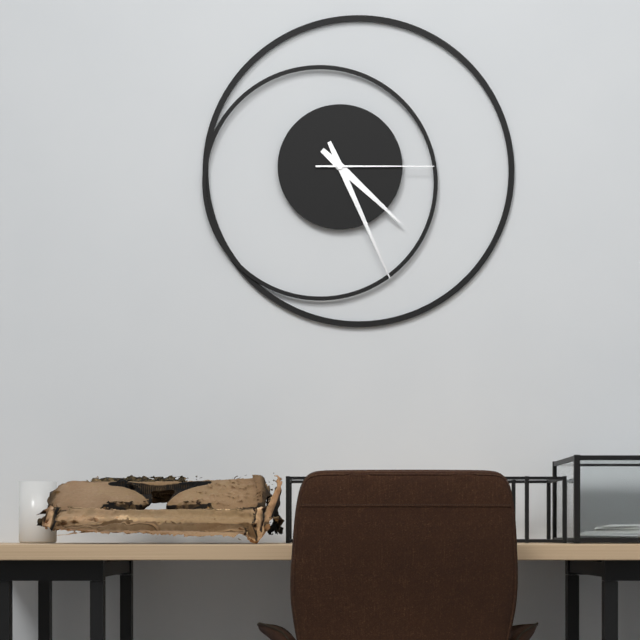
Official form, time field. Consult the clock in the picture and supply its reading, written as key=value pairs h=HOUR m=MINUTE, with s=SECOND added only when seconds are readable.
h=4 m=26 s=15
